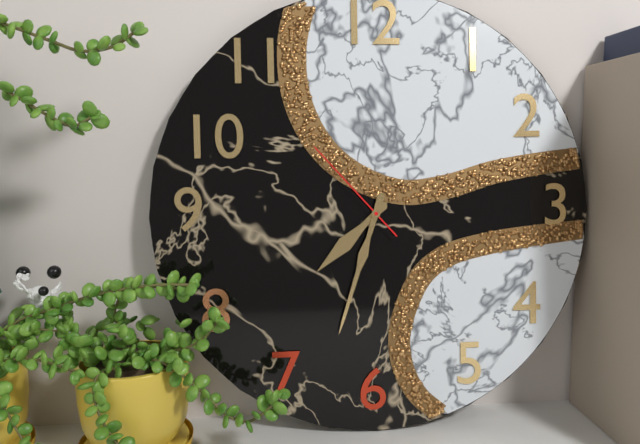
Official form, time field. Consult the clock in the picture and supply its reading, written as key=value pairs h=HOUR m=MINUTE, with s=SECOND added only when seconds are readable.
h=7 m=33 s=53
